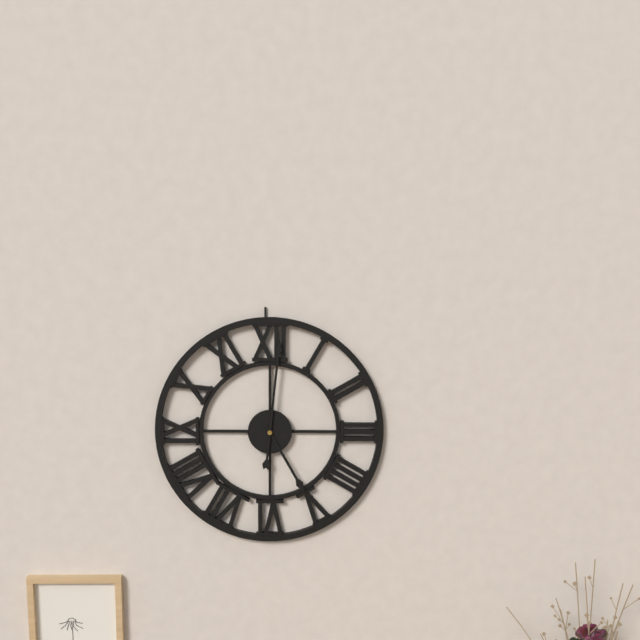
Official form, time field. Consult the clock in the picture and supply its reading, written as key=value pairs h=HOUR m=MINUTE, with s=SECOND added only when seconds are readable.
h=5 m=1
